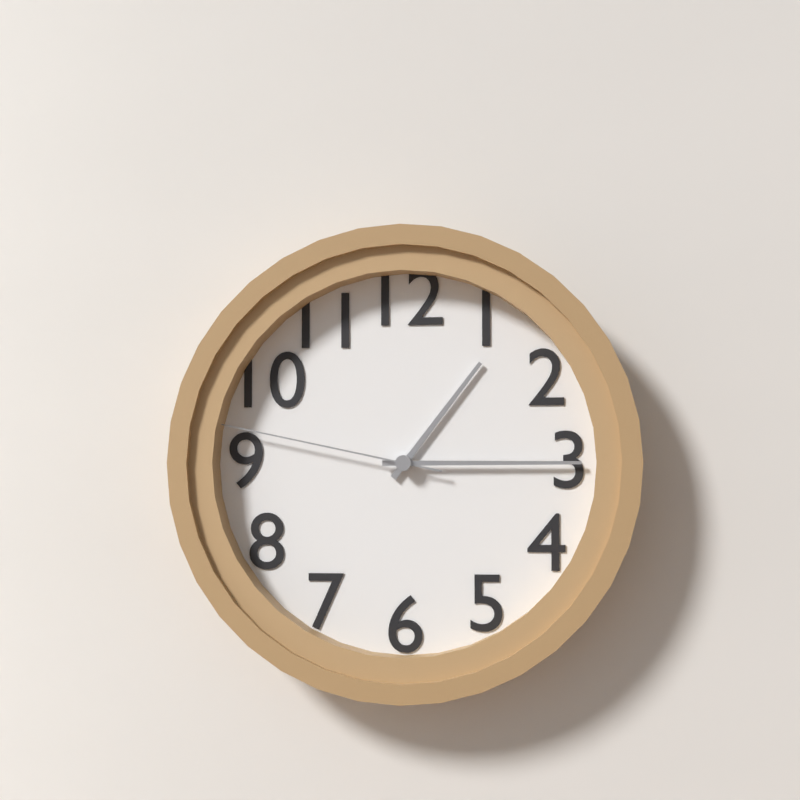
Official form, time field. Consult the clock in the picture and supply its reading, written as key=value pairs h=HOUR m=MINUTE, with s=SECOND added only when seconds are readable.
h=1 m=15 s=47
